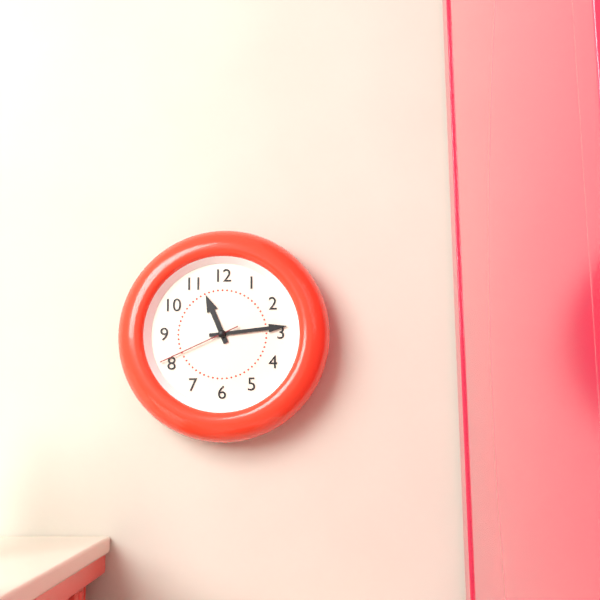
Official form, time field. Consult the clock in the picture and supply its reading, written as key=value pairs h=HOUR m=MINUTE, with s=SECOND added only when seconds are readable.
h=11 m=14 s=41
